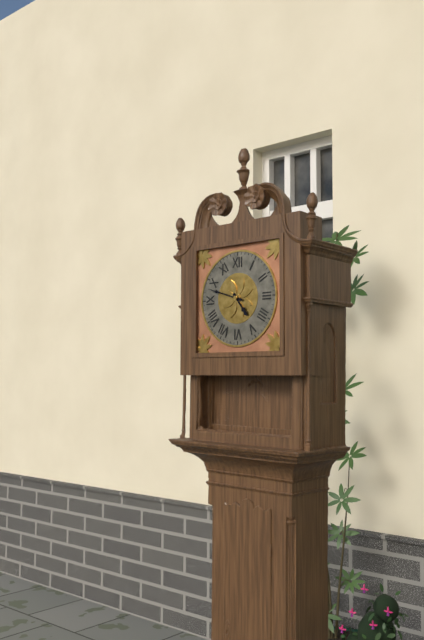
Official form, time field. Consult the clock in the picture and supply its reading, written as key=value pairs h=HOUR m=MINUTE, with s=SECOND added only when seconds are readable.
h=4 m=48
